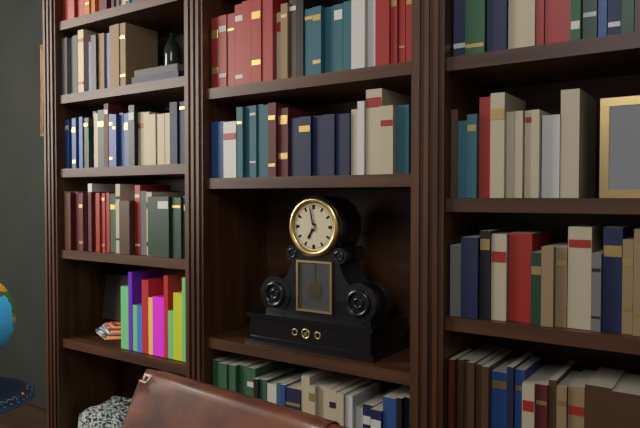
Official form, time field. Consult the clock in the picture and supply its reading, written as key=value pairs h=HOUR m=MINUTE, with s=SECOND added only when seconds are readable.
h=6 m=58
